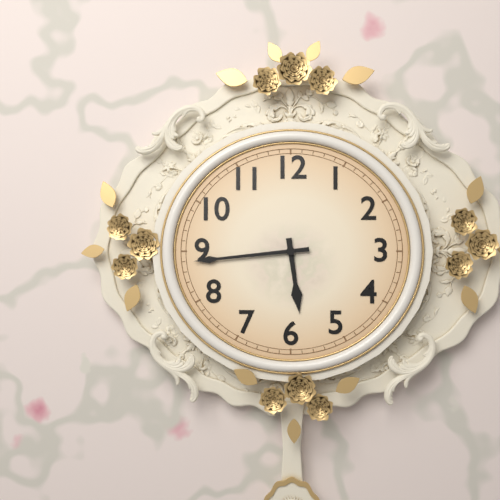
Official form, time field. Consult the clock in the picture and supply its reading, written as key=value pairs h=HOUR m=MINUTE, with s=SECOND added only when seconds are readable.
h=5 m=44
